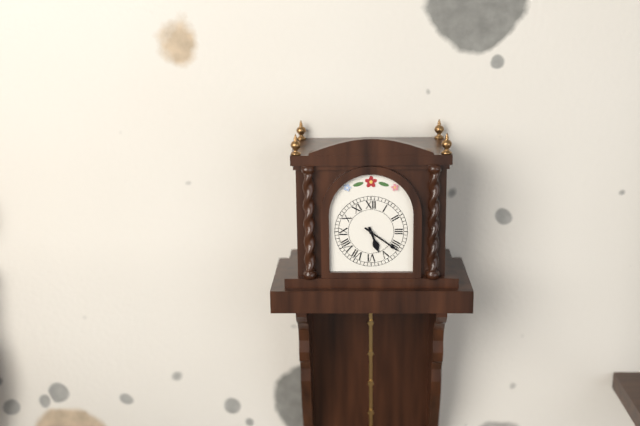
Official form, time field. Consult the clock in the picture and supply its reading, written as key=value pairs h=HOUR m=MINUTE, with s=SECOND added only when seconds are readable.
h=5 m=21
